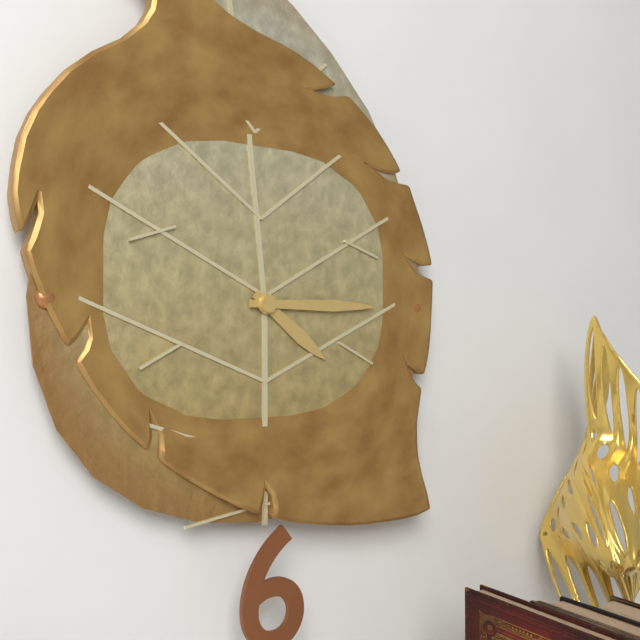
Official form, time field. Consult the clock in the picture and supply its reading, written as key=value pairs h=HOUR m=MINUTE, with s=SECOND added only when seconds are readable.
h=4 m=15
